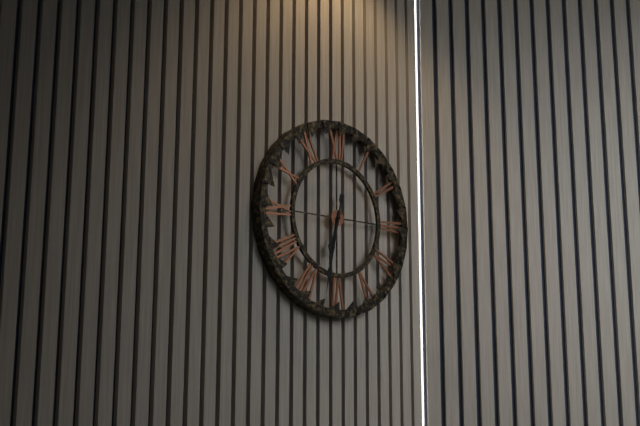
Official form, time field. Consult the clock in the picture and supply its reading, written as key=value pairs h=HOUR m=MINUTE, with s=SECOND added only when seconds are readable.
h=6 m=32
